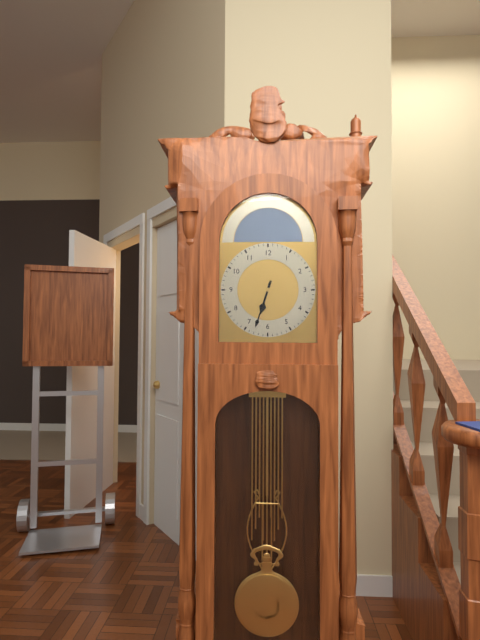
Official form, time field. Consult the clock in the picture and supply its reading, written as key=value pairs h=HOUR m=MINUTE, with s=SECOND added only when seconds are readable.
h=6 m=33
